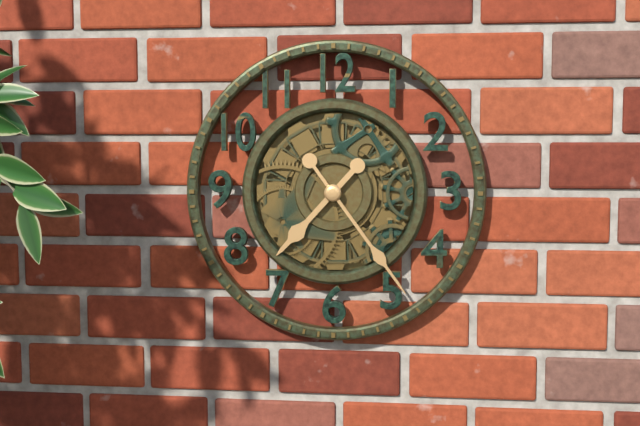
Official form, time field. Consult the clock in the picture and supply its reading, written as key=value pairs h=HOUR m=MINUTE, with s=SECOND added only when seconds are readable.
h=7 m=24
